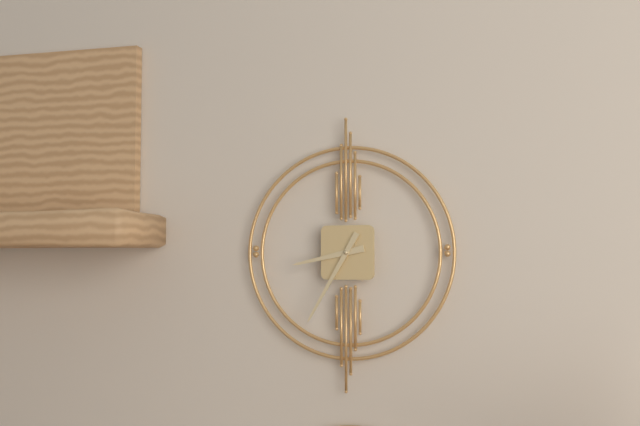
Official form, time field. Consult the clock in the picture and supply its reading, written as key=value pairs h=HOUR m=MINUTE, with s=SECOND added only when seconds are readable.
h=8 m=35
